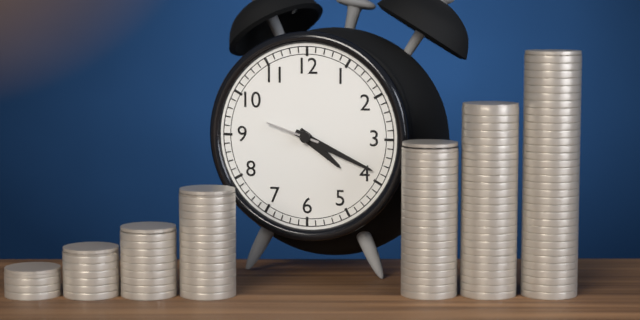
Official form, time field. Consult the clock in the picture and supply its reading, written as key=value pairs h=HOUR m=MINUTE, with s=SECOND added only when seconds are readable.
h=4 m=19 s=48
